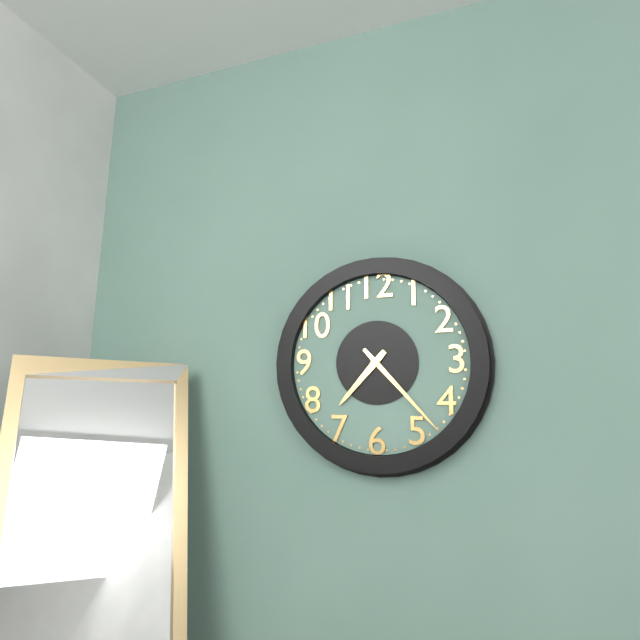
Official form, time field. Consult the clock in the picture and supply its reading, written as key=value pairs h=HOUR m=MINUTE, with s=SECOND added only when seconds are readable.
h=7 m=23
